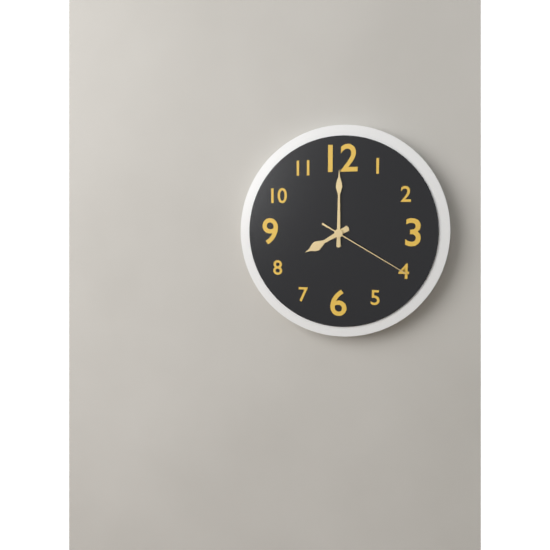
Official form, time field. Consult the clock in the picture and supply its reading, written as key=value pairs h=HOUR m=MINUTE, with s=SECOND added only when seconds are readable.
h=8 m=0 s=20
